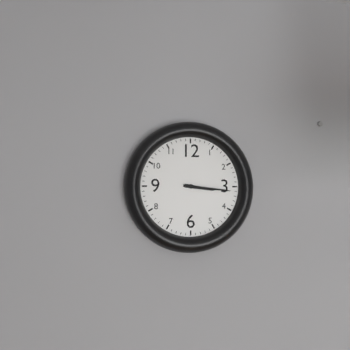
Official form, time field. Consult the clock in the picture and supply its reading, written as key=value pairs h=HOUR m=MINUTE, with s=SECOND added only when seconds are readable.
h=3 m=16
